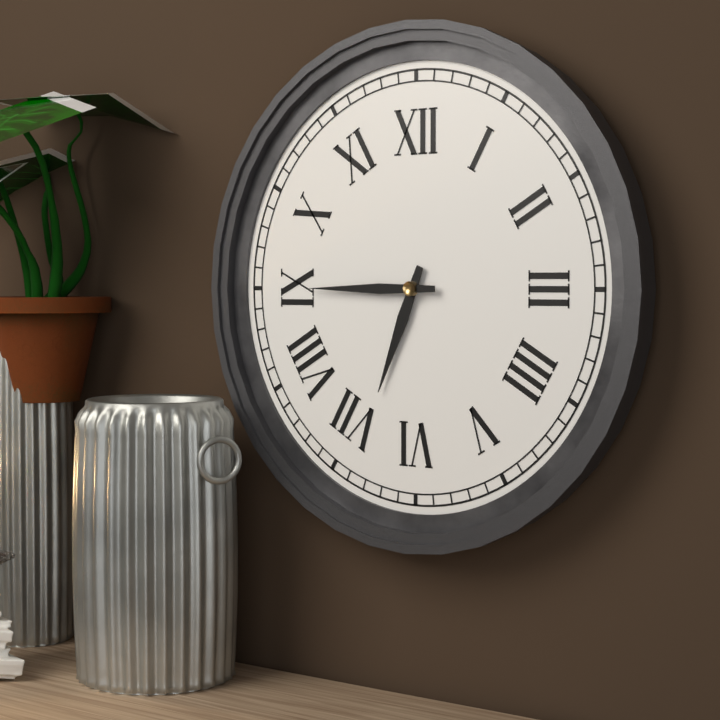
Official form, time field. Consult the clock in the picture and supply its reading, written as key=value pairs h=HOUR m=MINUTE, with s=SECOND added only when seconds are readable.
h=6 m=45
